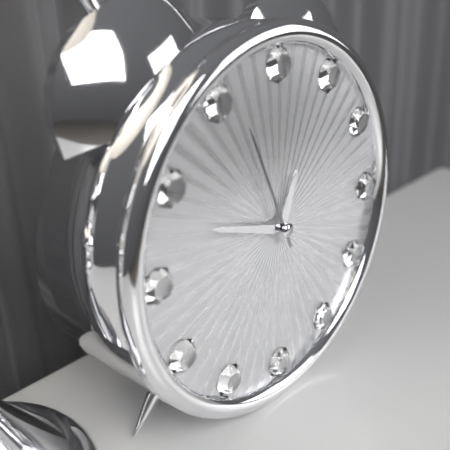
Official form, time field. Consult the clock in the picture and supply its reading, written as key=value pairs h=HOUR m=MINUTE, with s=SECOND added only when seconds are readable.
h=12 m=48 s=56
